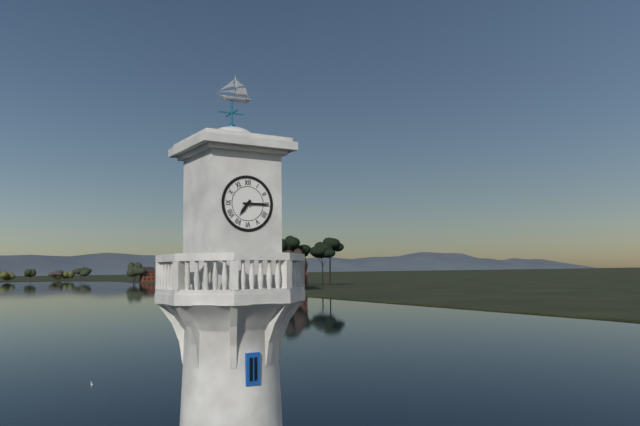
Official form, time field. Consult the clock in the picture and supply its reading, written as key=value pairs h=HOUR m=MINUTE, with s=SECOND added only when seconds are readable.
h=7 m=15
